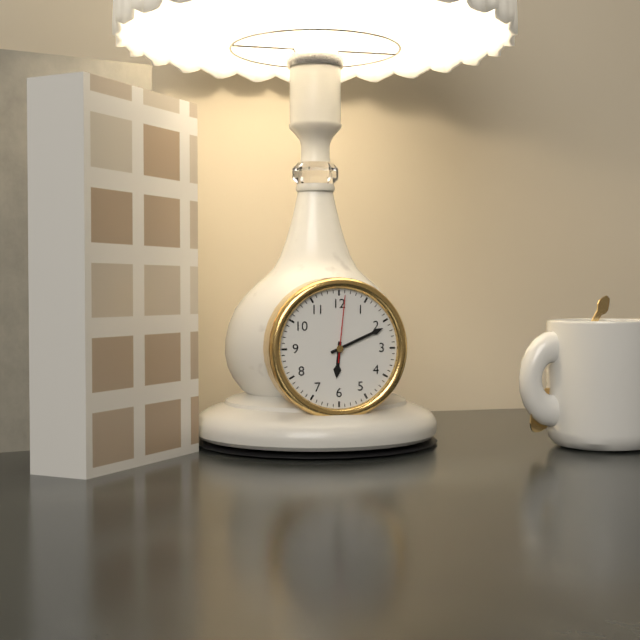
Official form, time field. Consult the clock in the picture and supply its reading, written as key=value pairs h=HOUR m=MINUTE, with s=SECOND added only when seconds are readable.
h=6 m=11 s=1
